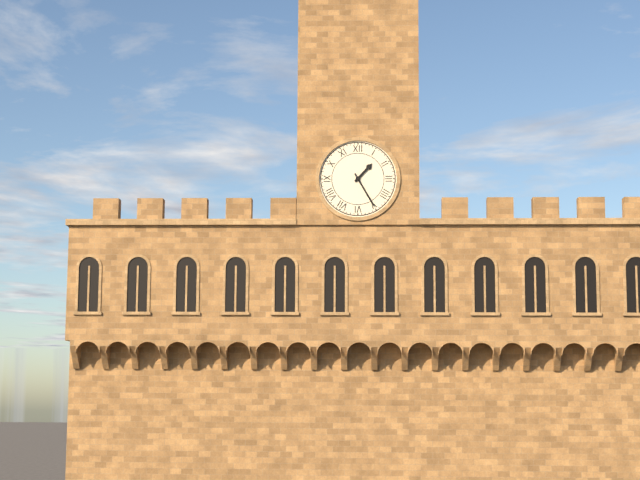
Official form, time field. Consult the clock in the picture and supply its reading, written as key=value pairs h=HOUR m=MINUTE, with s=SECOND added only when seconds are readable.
h=1 m=25
